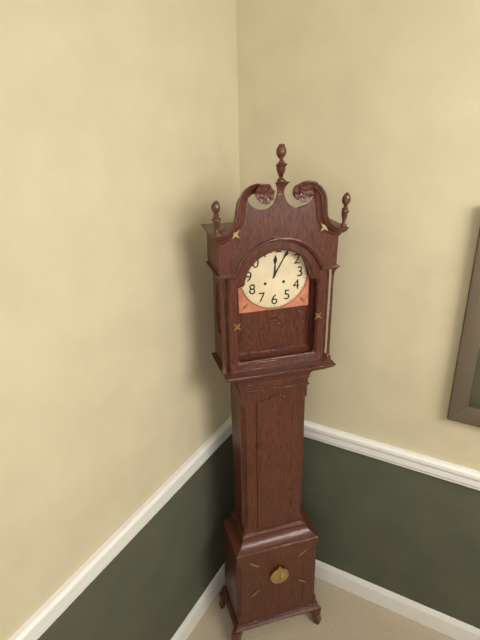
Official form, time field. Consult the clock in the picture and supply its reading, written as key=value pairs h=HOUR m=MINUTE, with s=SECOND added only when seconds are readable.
h=12 m=5
